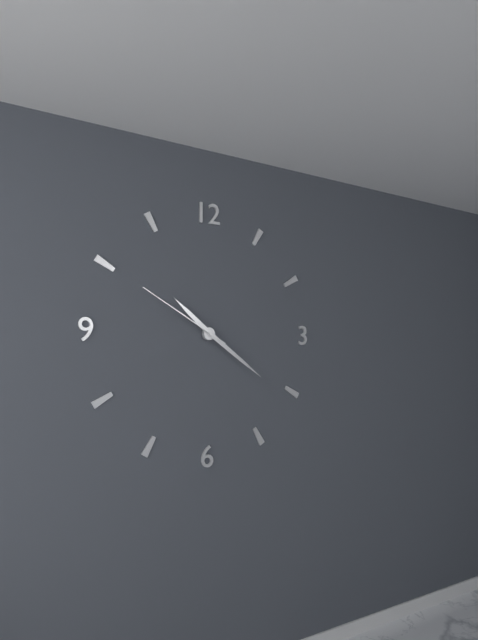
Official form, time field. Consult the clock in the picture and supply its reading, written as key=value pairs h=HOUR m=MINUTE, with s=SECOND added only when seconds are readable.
h=10 m=21 s=50
